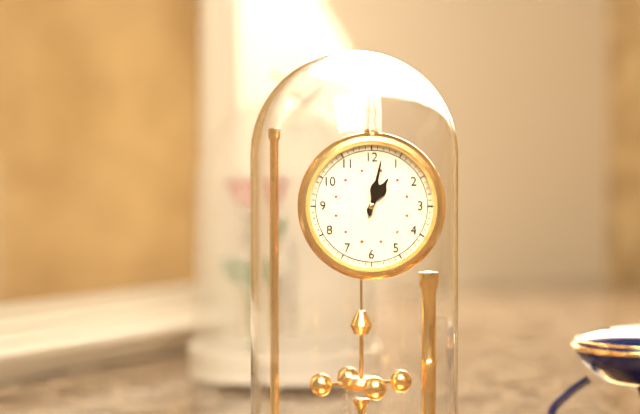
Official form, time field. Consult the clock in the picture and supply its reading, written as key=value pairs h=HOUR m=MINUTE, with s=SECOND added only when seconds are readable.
h=1 m=2
